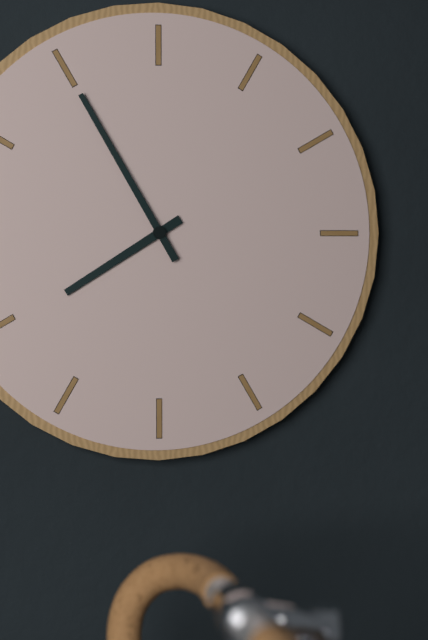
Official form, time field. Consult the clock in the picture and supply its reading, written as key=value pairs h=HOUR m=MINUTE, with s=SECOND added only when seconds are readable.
h=7 m=55
